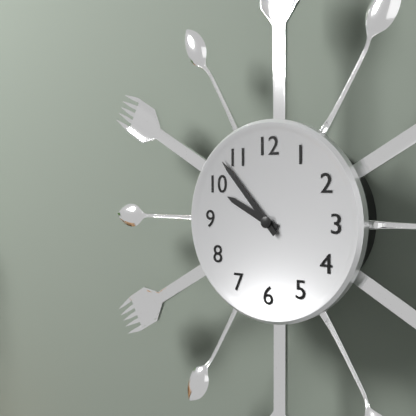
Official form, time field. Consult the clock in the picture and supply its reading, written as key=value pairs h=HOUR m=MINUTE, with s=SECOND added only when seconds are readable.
h=9 m=53
